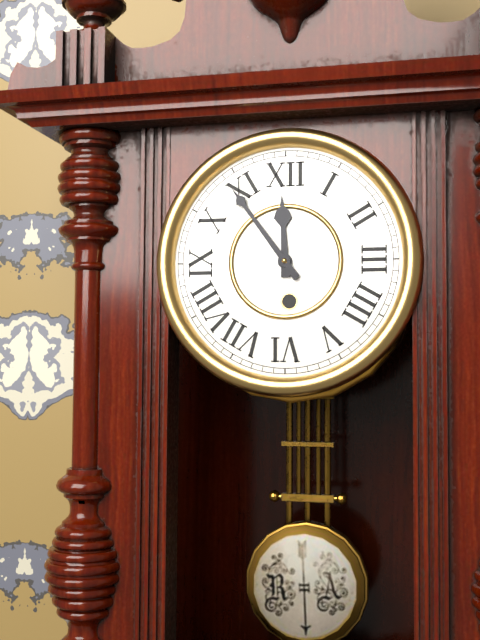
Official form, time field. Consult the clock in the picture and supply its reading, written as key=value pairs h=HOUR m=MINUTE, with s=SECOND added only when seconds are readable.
h=11 m=54
